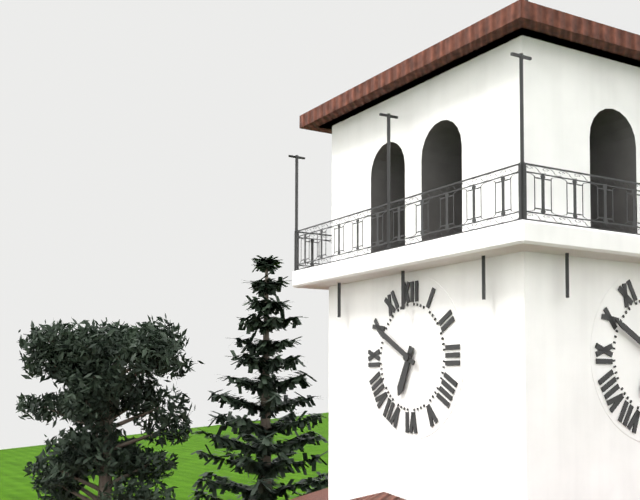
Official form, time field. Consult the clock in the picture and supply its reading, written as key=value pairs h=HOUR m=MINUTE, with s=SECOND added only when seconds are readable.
h=6 m=50
